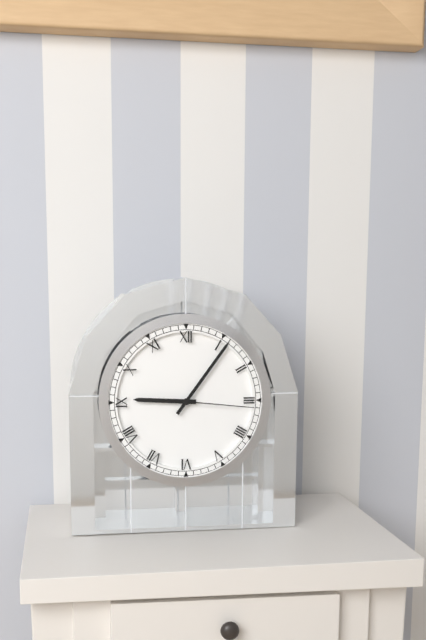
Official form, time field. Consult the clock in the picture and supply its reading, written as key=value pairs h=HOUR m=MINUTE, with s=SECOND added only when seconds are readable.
h=9 m=6 s=16
